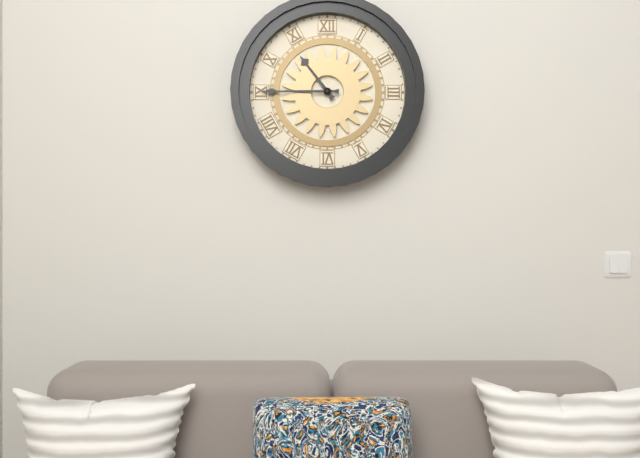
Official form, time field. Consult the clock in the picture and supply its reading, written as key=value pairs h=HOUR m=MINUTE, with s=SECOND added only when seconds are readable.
h=10 m=45
